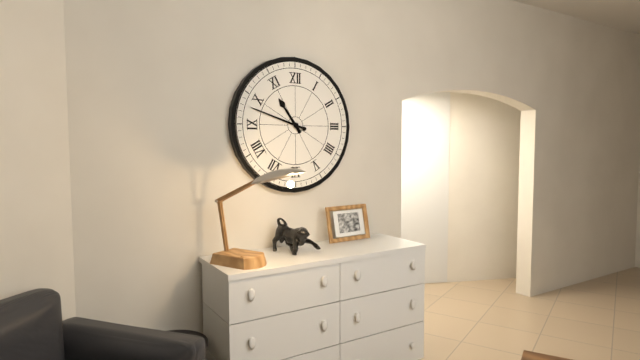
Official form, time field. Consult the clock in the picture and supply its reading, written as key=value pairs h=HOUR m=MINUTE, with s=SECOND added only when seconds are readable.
h=10 m=48
